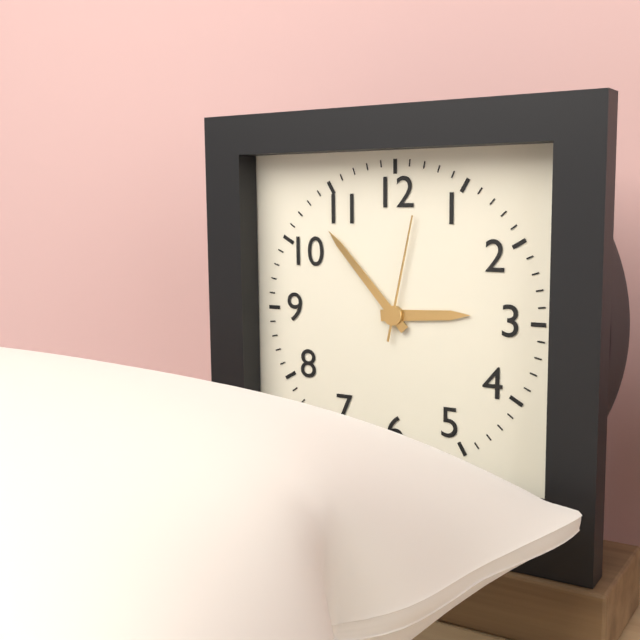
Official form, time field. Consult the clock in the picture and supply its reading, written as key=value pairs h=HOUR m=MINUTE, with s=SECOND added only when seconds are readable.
h=2 m=53 s=2
